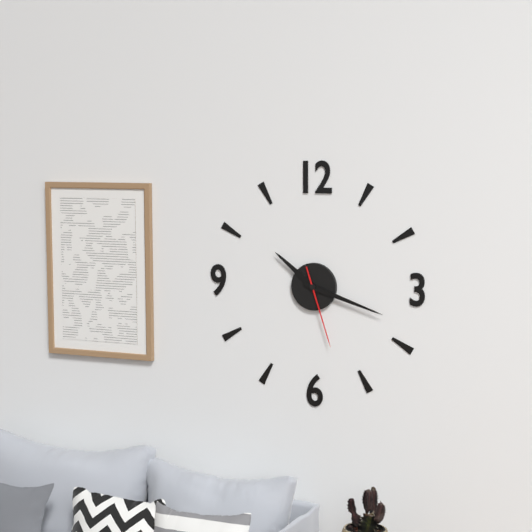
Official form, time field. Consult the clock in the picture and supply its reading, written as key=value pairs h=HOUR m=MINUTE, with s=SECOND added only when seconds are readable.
h=10 m=18 s=27
